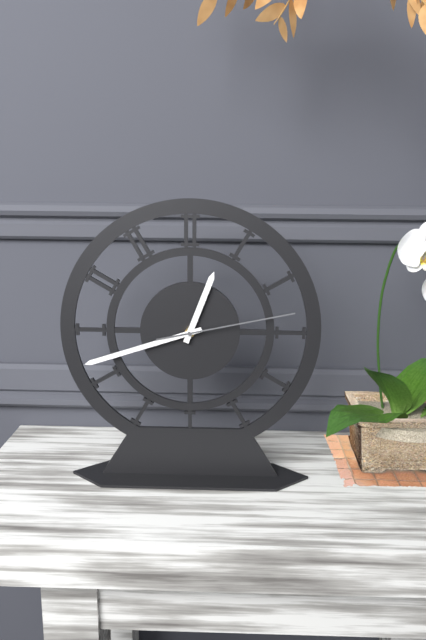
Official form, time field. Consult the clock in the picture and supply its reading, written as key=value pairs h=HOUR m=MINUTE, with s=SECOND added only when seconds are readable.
h=12 m=42 s=13
